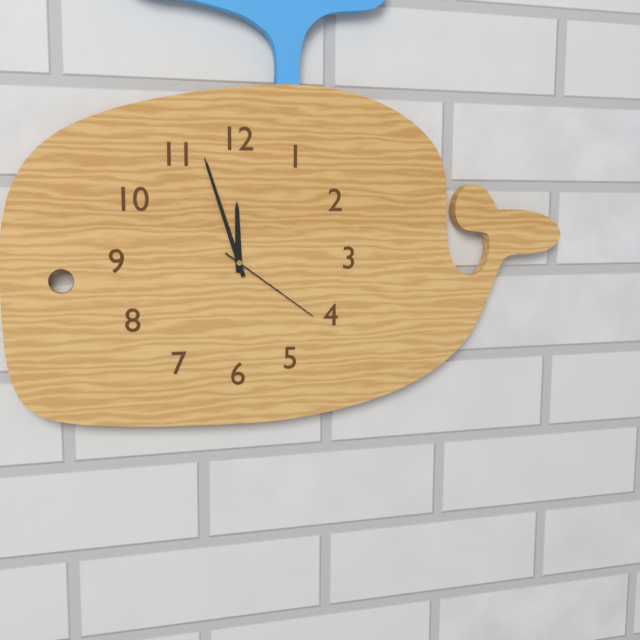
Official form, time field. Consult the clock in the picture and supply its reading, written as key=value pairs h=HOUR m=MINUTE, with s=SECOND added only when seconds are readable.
h=11 m=57 s=21
